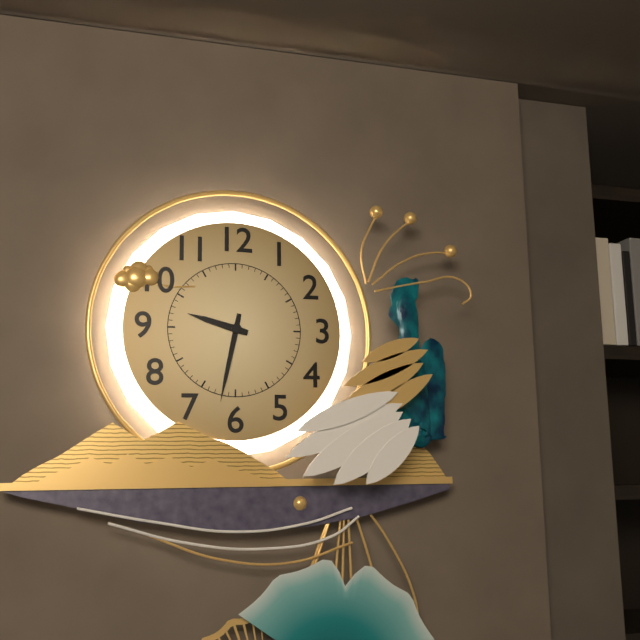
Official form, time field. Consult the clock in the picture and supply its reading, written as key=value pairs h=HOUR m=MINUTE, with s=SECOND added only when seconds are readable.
h=9 m=32
